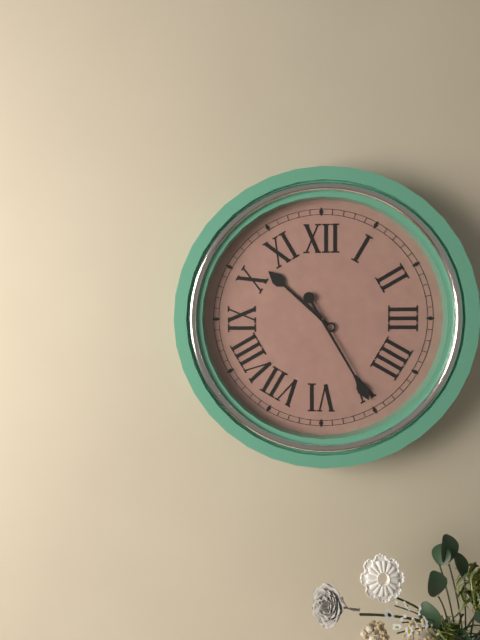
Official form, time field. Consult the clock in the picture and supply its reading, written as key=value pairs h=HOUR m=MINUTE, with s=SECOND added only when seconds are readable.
h=10 m=25
